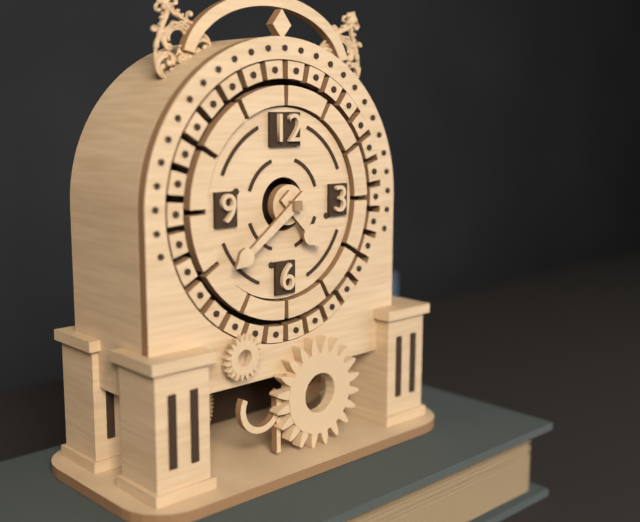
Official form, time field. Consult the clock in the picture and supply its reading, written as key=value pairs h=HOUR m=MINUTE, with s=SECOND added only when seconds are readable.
h=4 m=39
